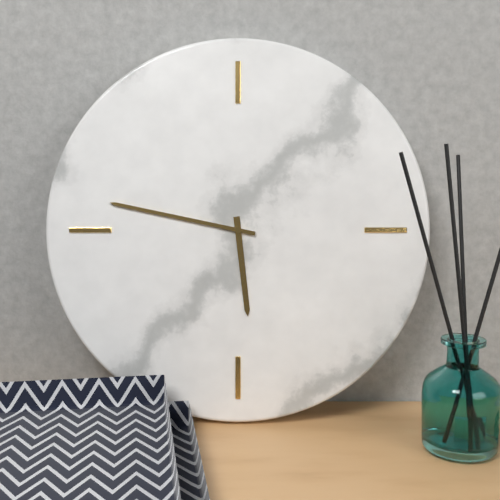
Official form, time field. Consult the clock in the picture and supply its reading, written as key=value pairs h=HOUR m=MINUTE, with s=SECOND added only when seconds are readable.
h=5 m=47
